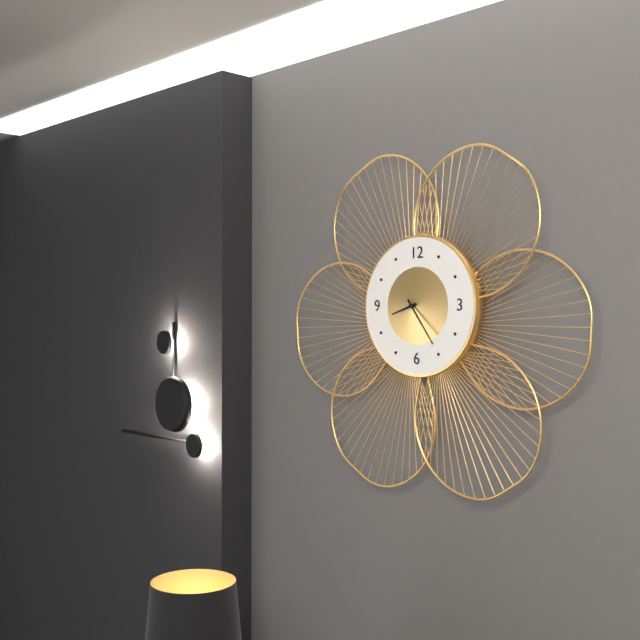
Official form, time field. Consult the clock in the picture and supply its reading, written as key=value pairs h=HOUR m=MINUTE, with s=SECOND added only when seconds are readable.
h=8 m=24
